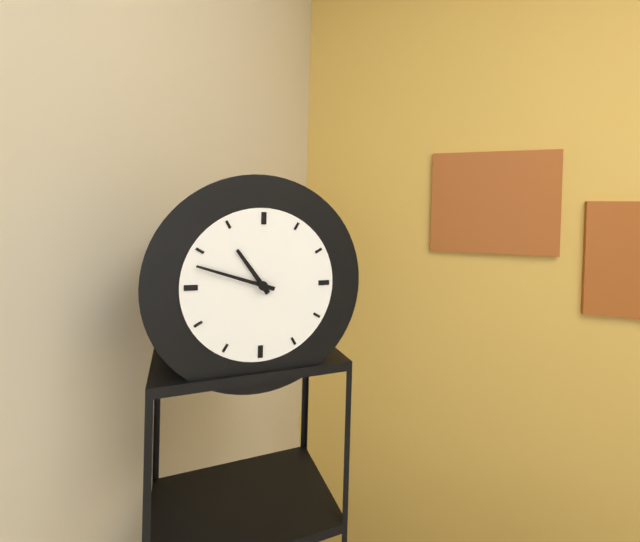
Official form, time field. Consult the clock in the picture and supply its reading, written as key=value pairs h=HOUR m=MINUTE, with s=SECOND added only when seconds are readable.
h=10 m=48
